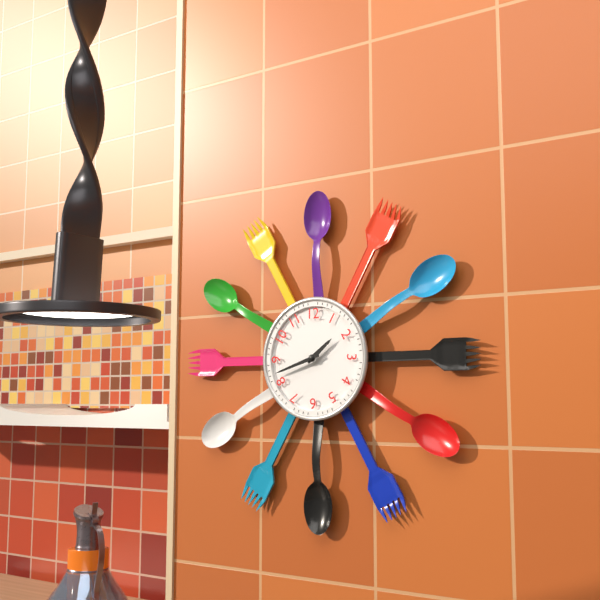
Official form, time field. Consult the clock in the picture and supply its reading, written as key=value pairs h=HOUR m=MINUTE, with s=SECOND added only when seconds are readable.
h=1 m=42
